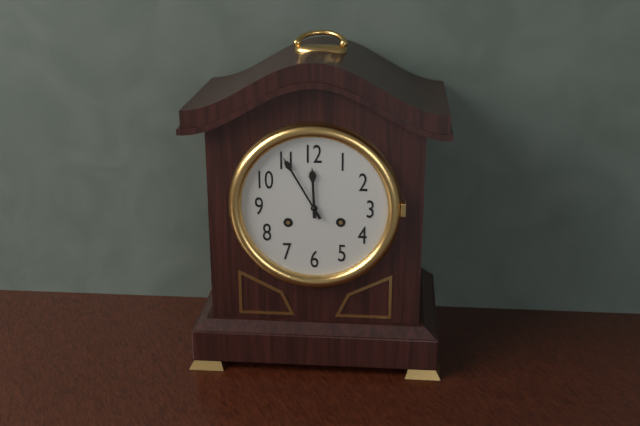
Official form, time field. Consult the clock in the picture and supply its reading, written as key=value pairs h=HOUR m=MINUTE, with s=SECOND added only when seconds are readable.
h=11 m=55
